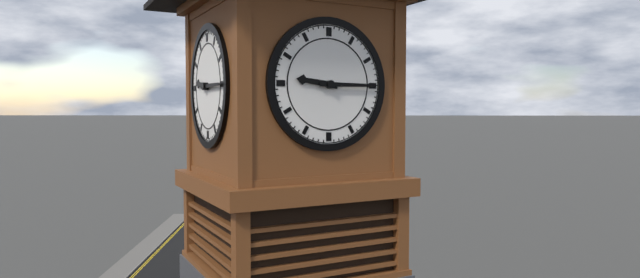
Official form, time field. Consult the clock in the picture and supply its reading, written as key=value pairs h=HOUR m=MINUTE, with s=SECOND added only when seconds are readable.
h=9 m=15
